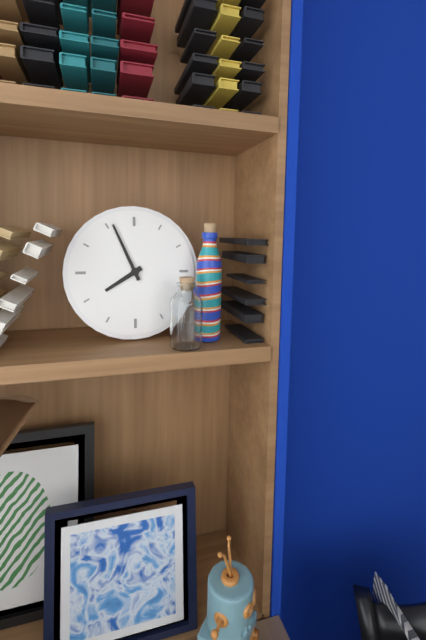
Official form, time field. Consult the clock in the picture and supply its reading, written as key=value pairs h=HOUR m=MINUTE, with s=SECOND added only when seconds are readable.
h=7 m=56
